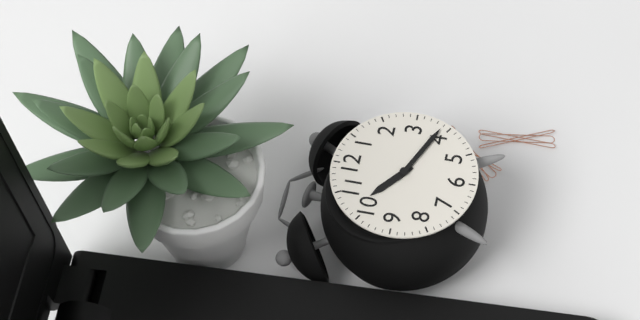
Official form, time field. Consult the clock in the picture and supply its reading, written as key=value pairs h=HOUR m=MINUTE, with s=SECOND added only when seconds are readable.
h=10 m=19
